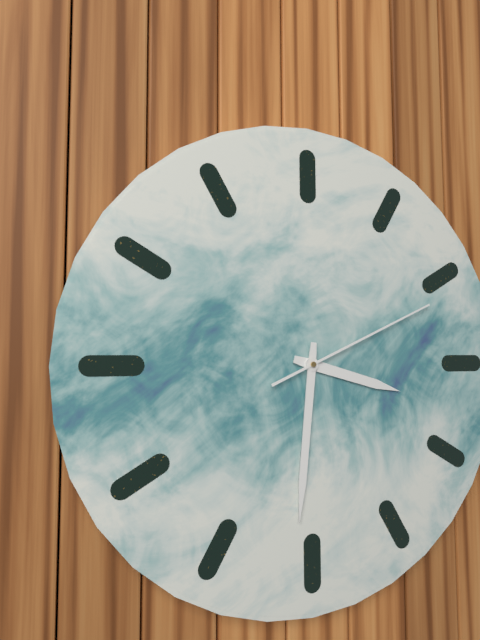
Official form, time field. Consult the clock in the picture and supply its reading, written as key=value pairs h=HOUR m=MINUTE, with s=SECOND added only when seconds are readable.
h=3 m=31 s=11
